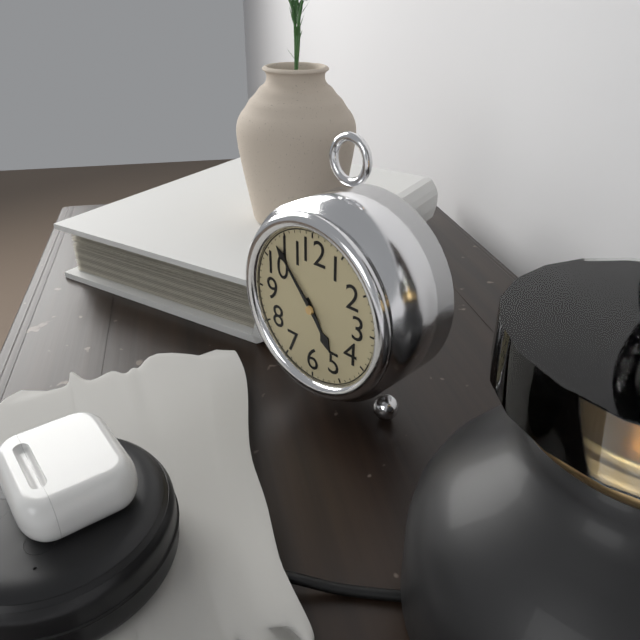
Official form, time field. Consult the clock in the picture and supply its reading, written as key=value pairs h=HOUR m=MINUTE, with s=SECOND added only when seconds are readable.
h=4 m=53
